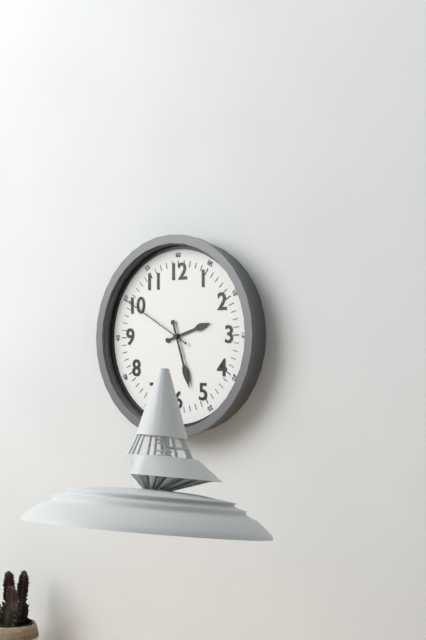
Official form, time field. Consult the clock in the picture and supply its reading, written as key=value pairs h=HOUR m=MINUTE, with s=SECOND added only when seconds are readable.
h=2 m=27 s=50
